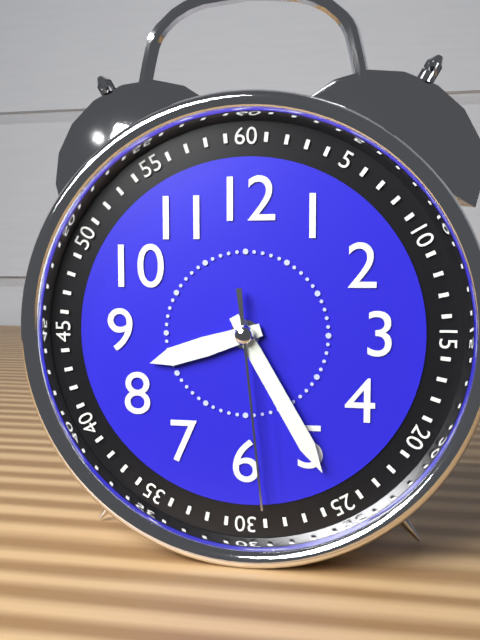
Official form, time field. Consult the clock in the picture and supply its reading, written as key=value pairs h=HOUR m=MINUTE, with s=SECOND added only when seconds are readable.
h=8 m=25 s=29
